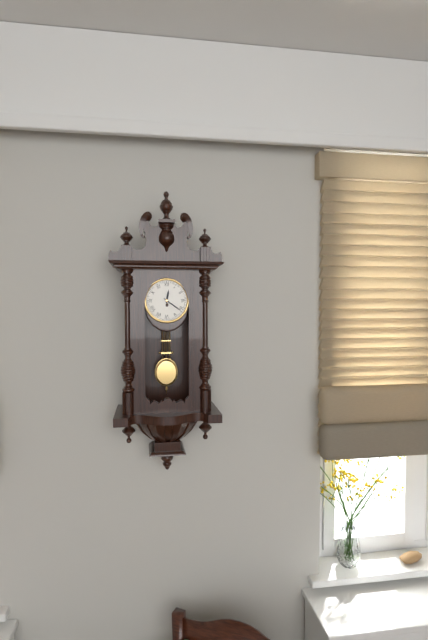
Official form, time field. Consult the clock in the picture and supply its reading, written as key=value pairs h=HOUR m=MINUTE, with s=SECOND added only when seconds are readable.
h=12 m=21
